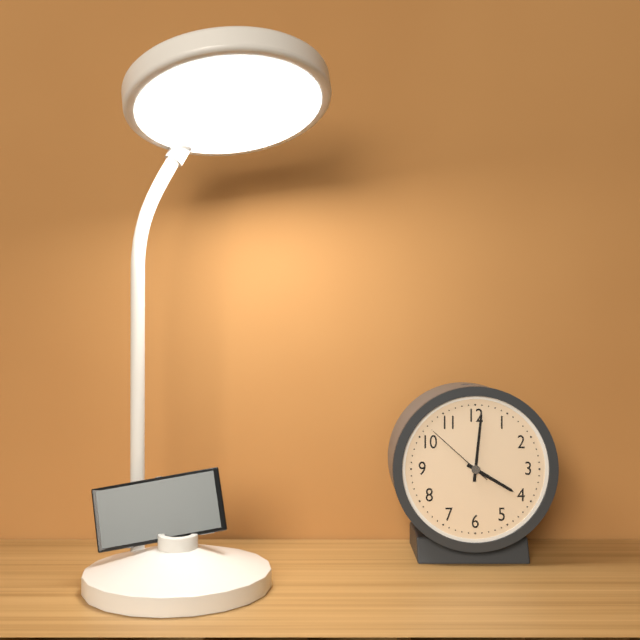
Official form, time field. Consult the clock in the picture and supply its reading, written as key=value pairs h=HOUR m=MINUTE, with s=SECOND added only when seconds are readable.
h=4 m=1 s=52
